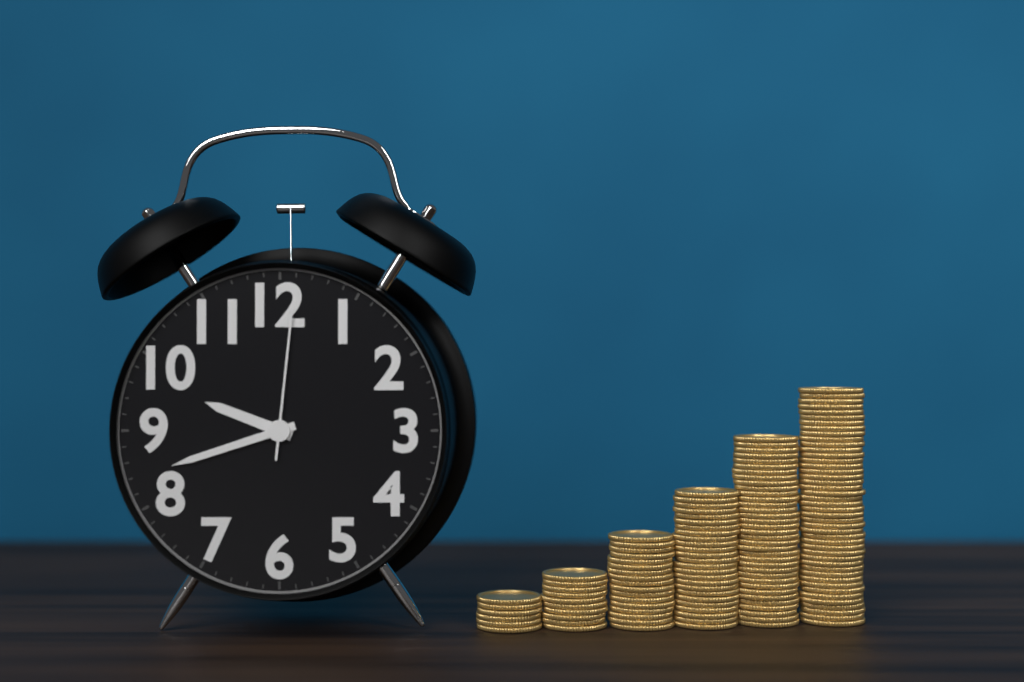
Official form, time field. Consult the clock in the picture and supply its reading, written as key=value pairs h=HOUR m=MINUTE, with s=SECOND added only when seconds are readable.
h=9 m=42 s=1
